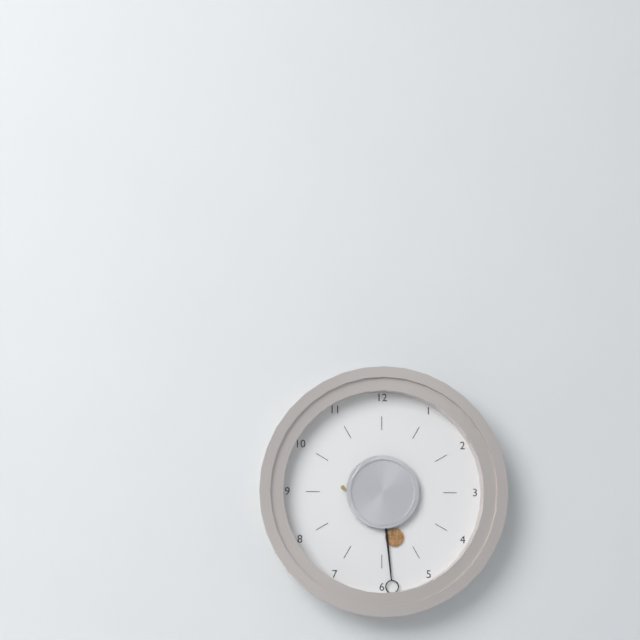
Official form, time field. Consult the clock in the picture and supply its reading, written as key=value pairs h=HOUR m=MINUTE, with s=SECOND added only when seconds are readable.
h=5 m=29
